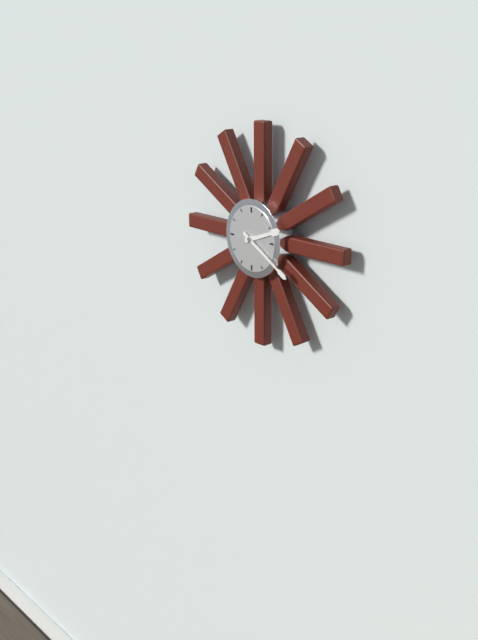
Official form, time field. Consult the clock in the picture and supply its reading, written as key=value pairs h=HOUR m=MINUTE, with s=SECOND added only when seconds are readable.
h=2 m=20
